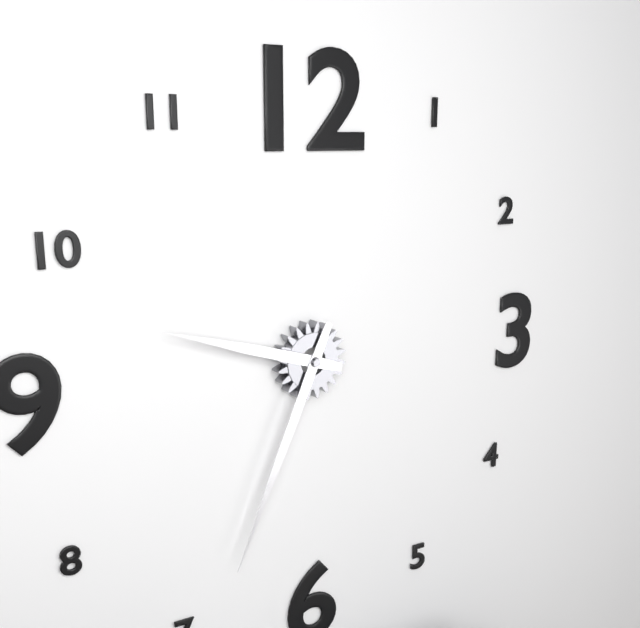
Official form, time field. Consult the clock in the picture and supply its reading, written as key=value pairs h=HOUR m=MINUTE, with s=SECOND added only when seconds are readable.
h=9 m=34
